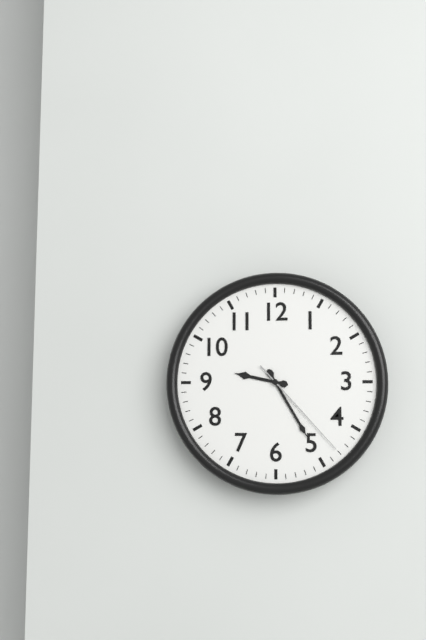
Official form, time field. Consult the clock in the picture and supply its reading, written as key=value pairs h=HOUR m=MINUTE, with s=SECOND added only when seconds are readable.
h=9 m=25 s=23
